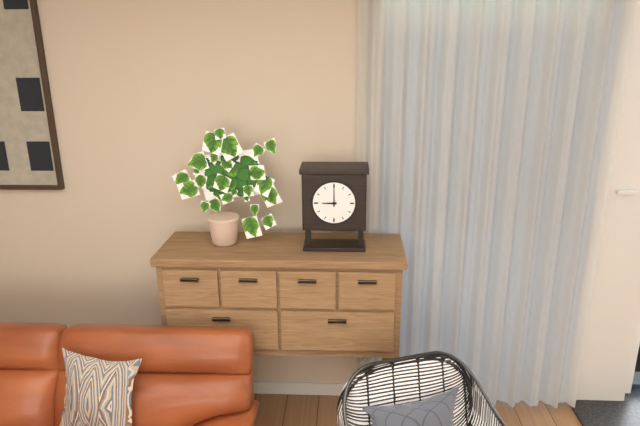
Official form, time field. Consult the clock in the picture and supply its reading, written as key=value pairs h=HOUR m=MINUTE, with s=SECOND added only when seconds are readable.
h=9 m=0
